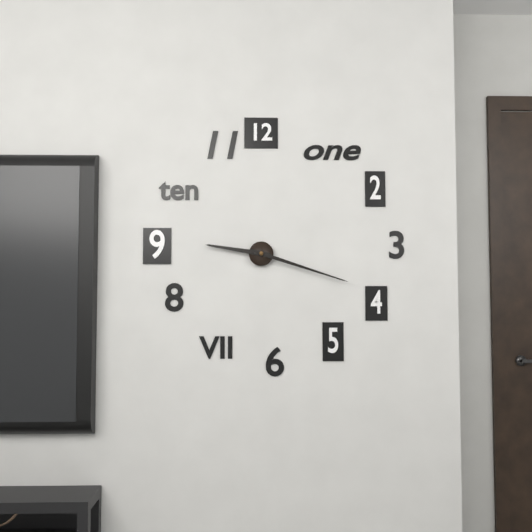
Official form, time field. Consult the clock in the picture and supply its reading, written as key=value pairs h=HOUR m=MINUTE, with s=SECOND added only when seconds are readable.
h=9 m=18
